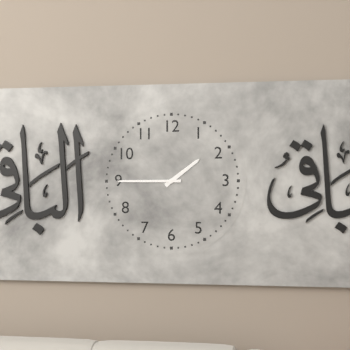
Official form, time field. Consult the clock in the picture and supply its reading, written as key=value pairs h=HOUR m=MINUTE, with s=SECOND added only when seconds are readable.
h=1 m=45
